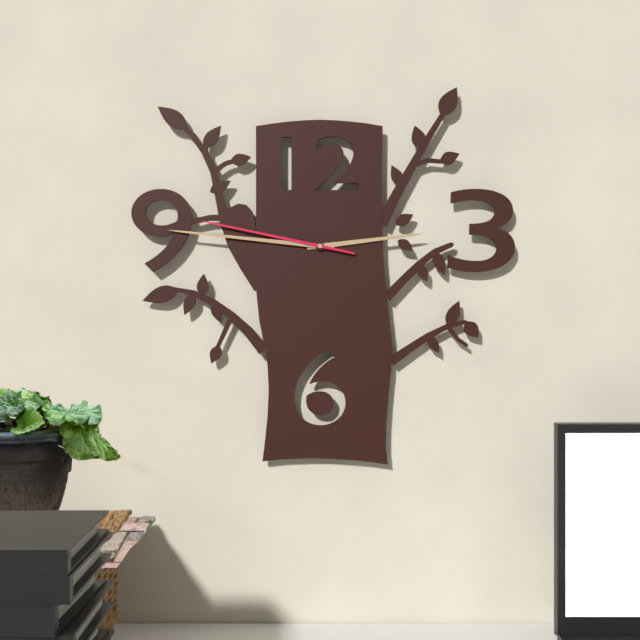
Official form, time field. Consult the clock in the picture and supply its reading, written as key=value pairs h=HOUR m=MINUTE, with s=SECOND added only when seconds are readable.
h=2 m=46 s=47
